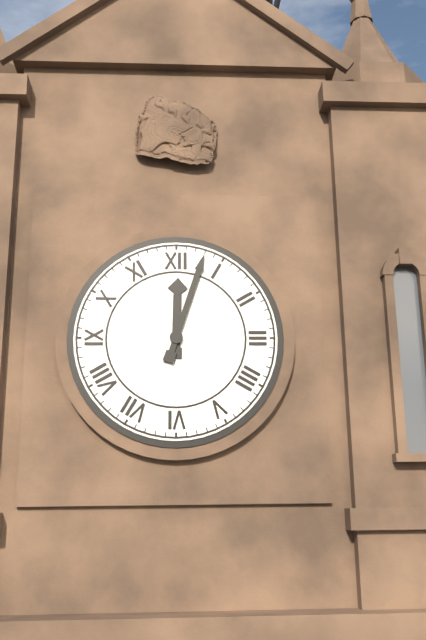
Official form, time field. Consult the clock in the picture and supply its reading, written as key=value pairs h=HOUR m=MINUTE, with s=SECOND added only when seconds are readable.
h=12 m=3
